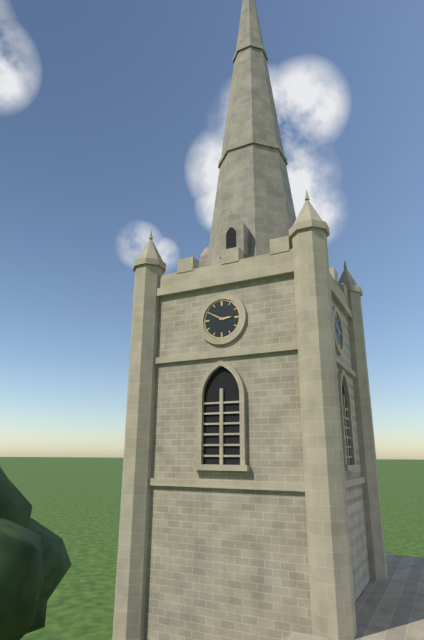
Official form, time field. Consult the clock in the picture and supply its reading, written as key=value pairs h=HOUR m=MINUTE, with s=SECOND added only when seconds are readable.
h=2 m=50
